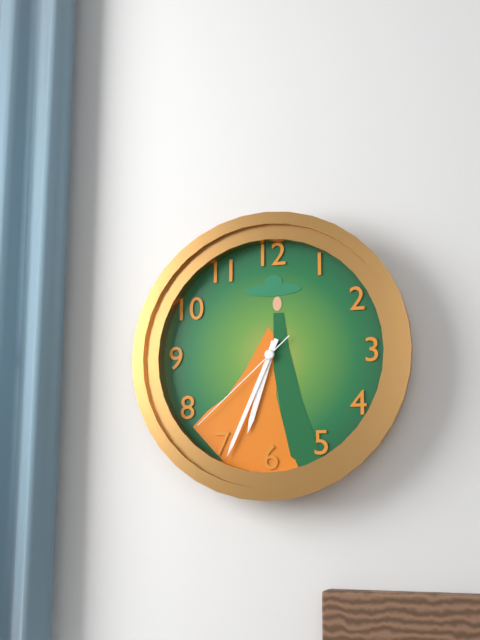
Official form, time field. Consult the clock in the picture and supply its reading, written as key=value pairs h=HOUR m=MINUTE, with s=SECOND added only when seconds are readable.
h=6 m=34 s=38
